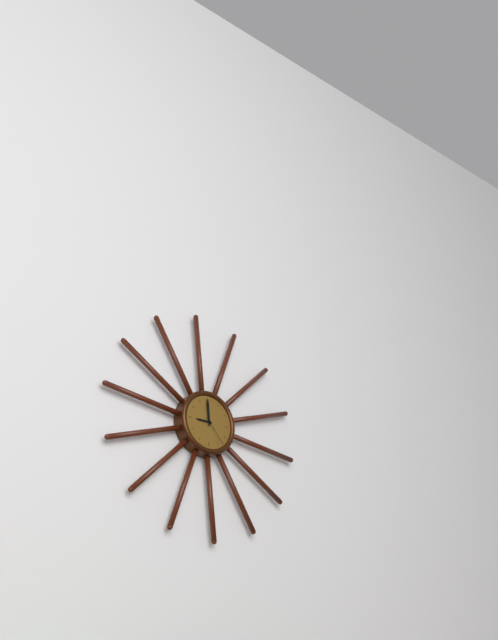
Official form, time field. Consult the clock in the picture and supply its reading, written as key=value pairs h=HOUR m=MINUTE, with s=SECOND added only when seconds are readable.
h=8 m=59
